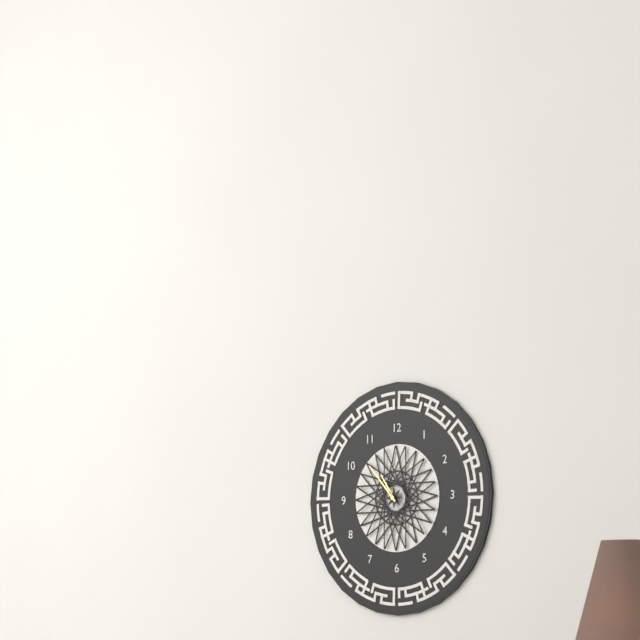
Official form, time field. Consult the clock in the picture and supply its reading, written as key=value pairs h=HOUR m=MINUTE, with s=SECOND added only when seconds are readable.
h=10 m=53
